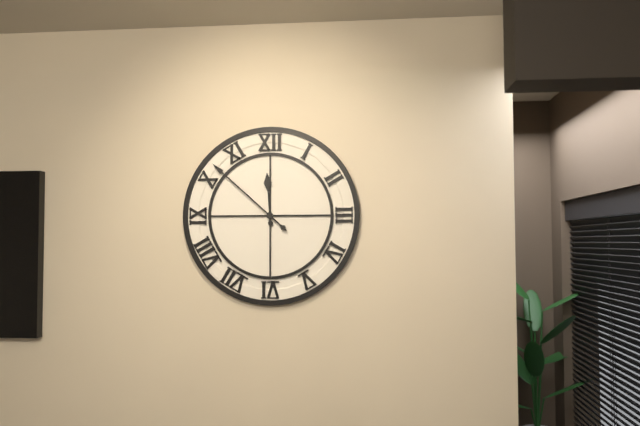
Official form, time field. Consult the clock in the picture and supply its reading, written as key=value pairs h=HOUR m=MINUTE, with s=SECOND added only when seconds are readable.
h=11 m=52
